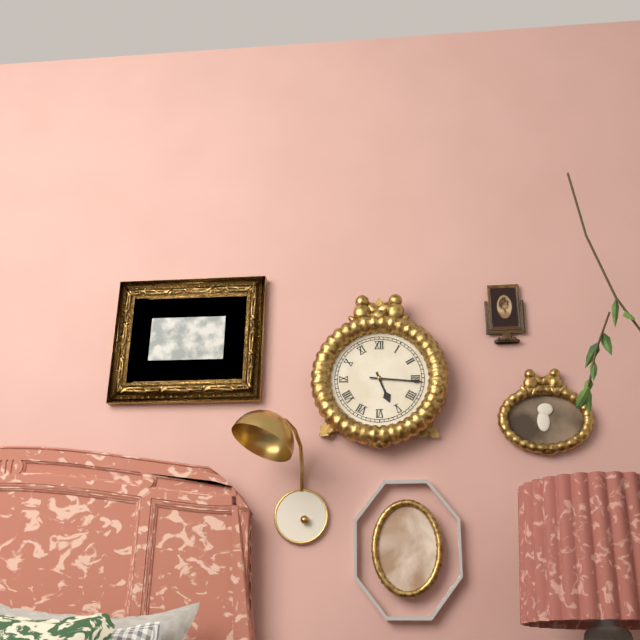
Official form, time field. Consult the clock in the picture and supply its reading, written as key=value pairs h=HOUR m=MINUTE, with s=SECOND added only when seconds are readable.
h=5 m=16
